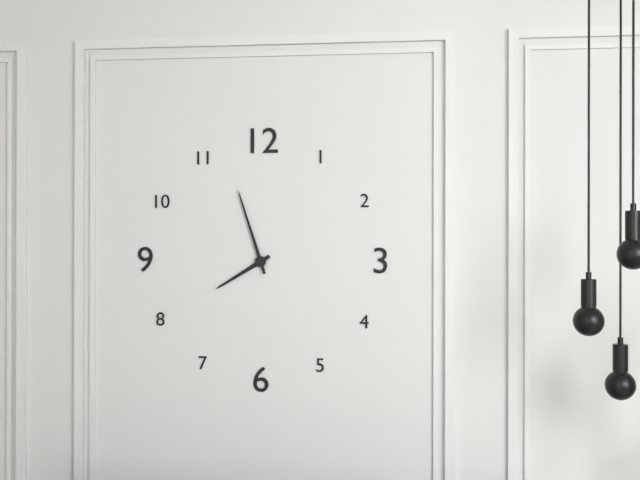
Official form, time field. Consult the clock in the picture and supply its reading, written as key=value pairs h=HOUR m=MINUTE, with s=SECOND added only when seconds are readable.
h=7 m=57
